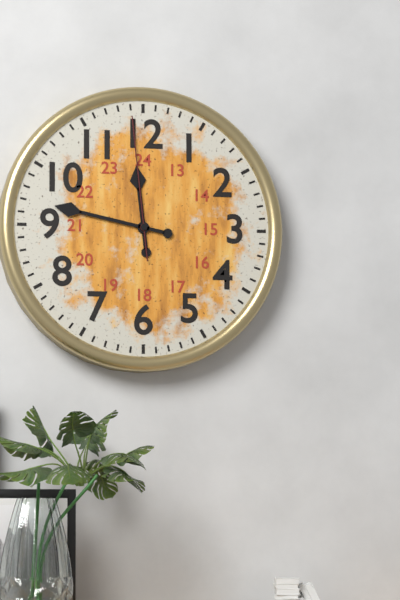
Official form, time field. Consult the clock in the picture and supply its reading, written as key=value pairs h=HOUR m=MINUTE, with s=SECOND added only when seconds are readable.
h=11 m=47 s=59
